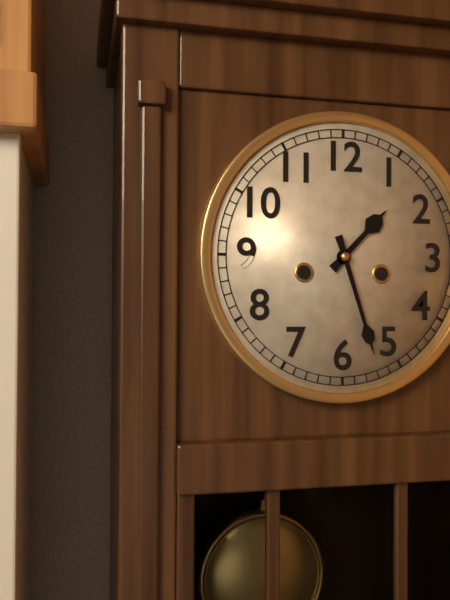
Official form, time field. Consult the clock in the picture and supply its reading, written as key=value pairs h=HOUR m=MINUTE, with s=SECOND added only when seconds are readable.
h=1 m=27
